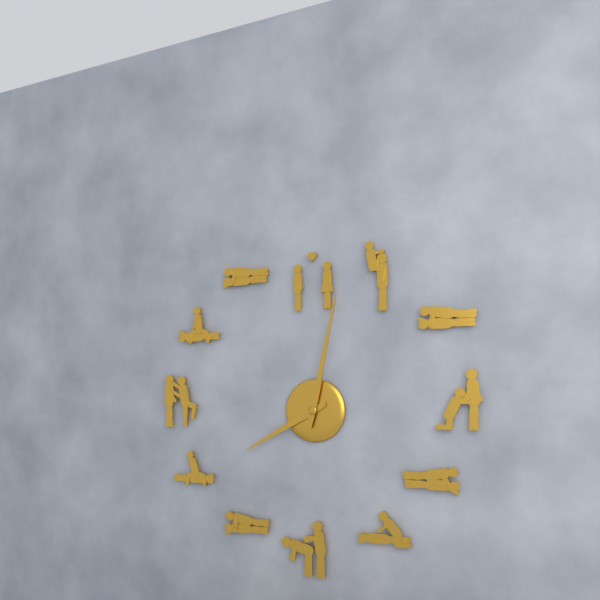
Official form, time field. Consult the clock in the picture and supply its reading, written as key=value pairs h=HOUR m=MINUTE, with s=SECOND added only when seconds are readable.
h=8 m=2
